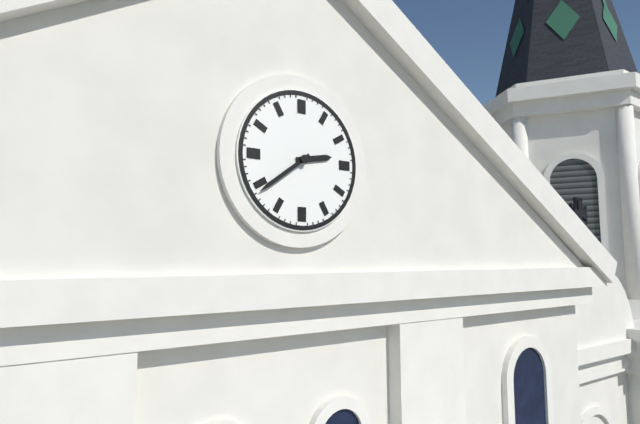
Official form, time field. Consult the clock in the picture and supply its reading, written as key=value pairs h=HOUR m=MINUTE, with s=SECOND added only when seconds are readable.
h=2 m=39
